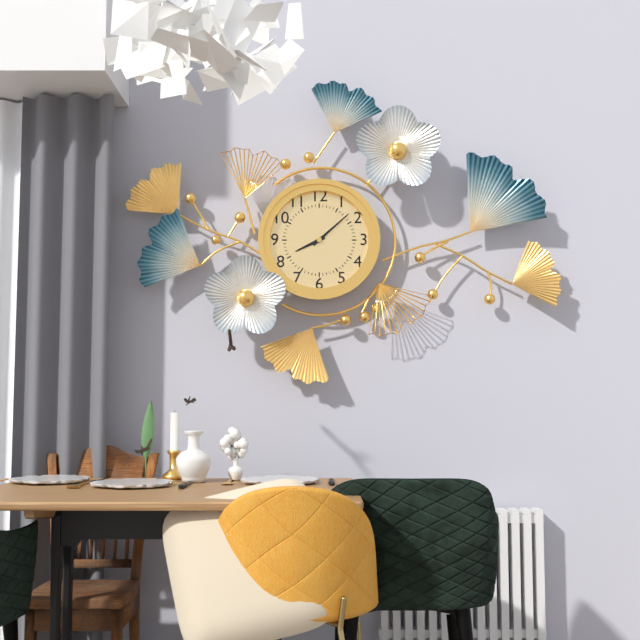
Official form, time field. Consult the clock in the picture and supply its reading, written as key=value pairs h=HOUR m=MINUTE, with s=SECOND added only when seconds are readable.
h=8 m=8
